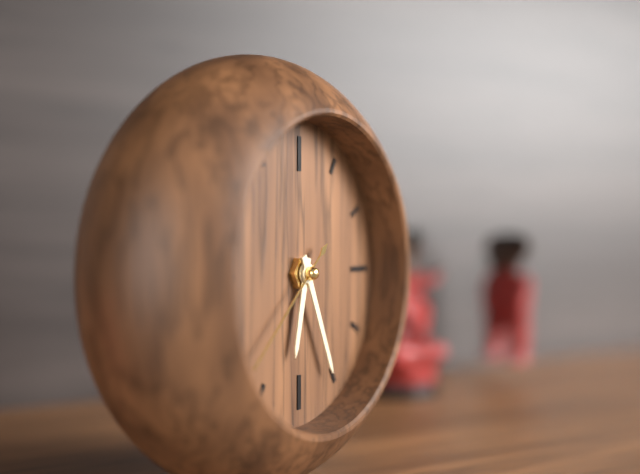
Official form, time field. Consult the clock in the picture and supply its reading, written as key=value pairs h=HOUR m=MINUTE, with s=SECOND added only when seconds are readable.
h=6 m=26 s=38
